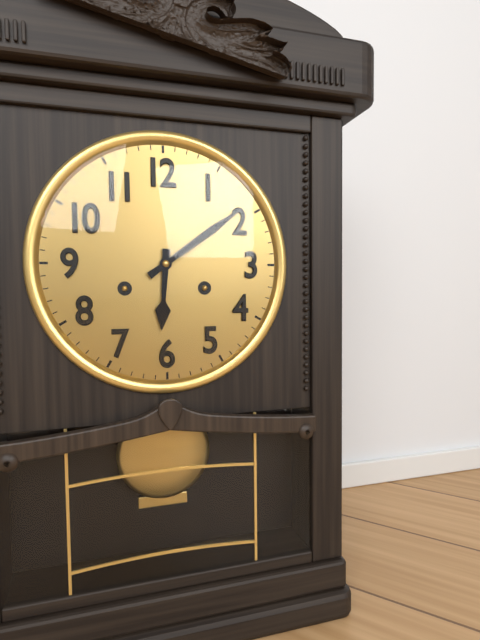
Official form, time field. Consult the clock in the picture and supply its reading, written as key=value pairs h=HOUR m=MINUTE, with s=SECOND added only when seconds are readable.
h=6 m=9
